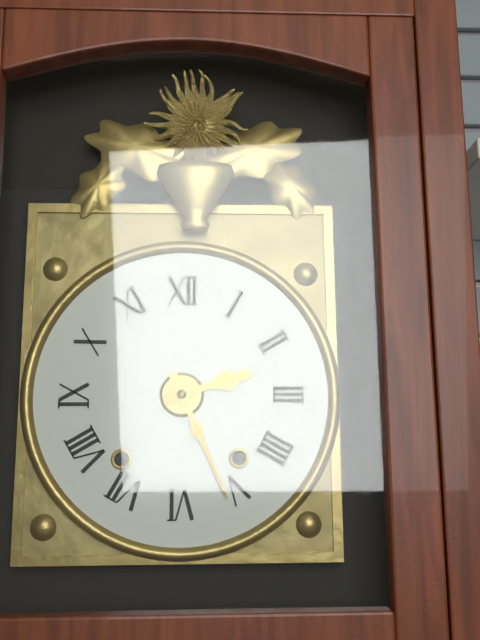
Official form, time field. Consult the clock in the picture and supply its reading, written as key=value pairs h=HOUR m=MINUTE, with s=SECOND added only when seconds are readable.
h=2 m=26
